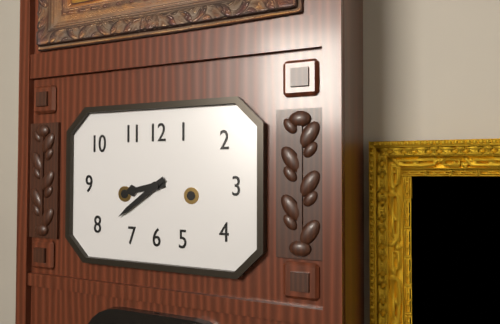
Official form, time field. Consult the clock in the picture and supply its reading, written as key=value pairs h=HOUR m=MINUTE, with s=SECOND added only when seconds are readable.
h=8 m=39
